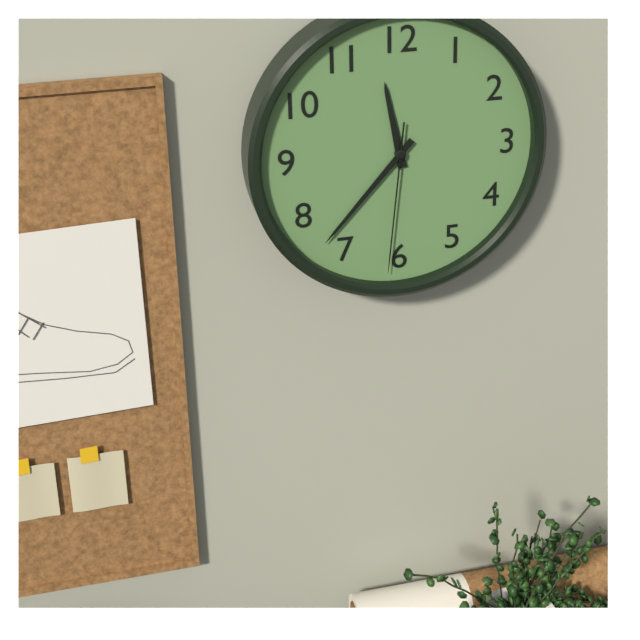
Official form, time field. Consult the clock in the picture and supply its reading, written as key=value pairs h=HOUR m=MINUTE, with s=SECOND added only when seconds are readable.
h=11 m=37 s=31
